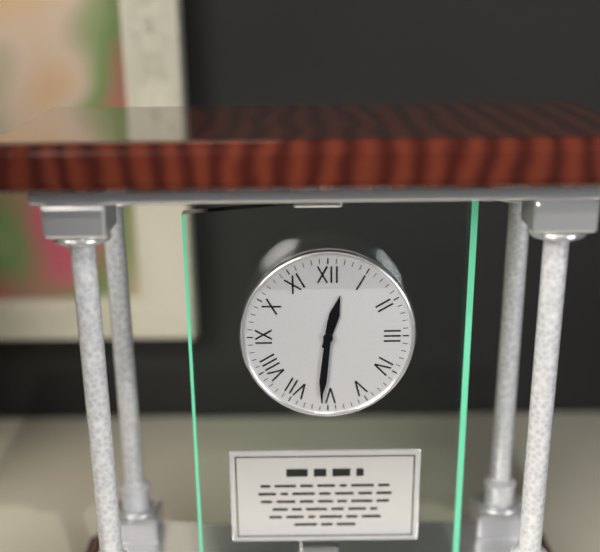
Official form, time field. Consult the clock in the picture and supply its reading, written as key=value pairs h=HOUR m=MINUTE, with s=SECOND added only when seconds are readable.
h=12 m=31
